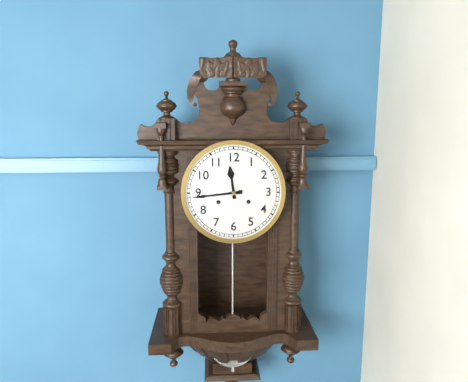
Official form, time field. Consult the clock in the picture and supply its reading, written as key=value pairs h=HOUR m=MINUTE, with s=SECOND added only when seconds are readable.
h=11 m=44
